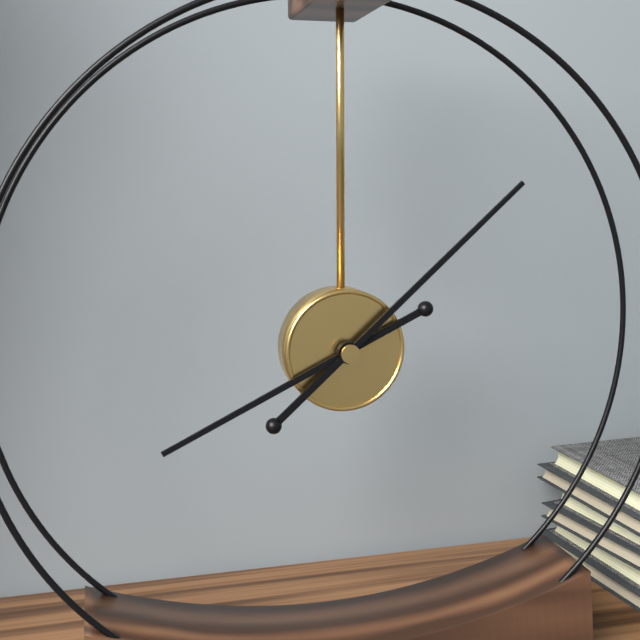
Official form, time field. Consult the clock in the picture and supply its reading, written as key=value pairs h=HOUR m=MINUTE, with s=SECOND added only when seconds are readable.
h=8 m=8
